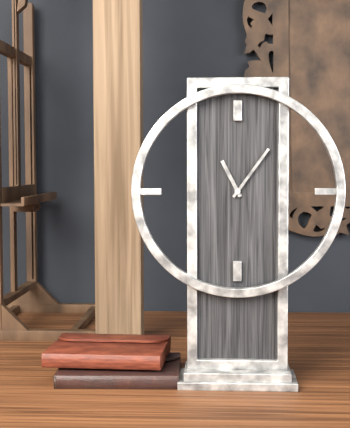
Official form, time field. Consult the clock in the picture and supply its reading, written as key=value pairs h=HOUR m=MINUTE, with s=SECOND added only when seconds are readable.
h=11 m=6
